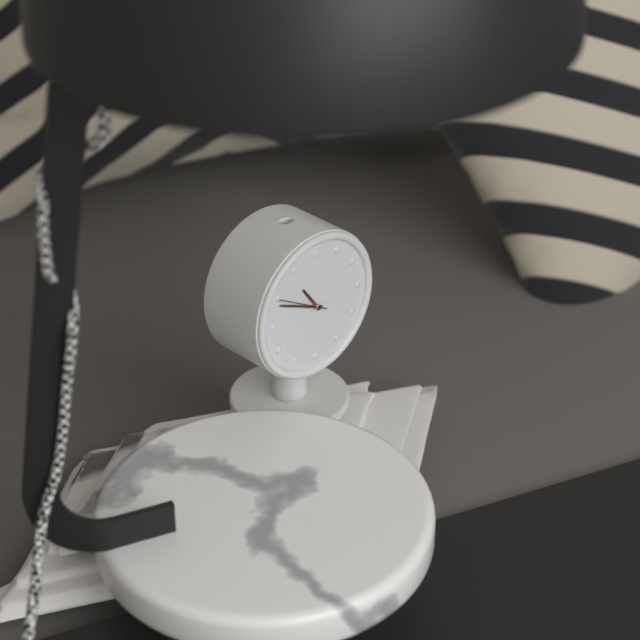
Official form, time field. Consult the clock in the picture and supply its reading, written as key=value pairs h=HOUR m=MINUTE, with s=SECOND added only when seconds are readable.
h=10 m=49
